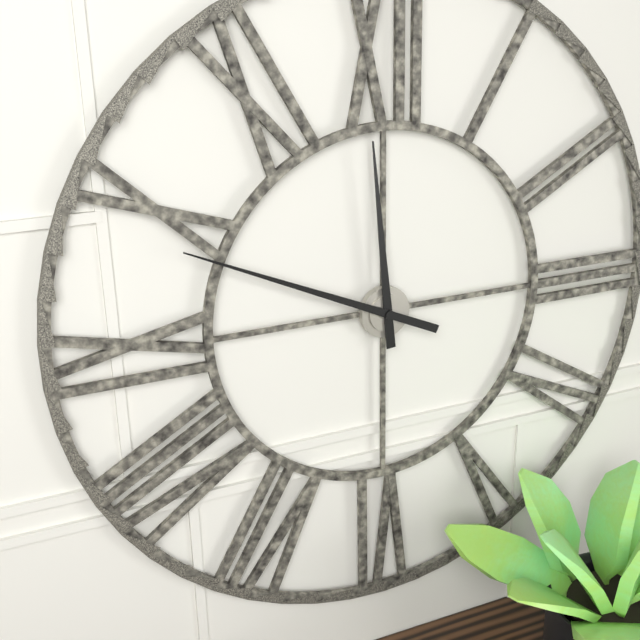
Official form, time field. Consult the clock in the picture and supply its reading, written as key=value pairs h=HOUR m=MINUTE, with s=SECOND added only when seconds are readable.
h=11 m=49
